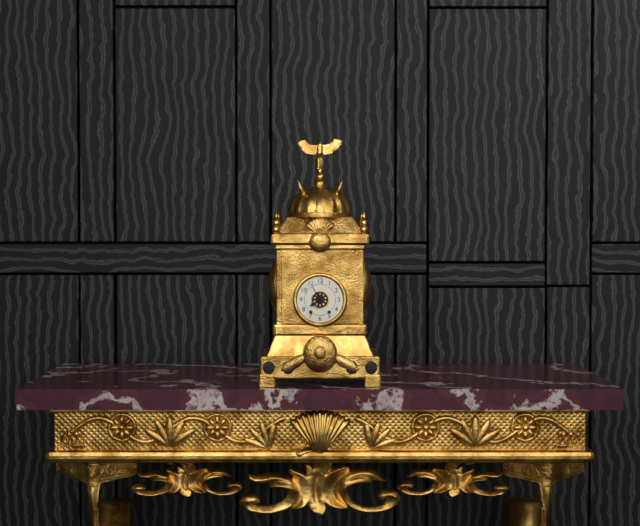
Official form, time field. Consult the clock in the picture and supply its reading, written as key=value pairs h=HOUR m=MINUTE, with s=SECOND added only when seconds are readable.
h=7 m=55
